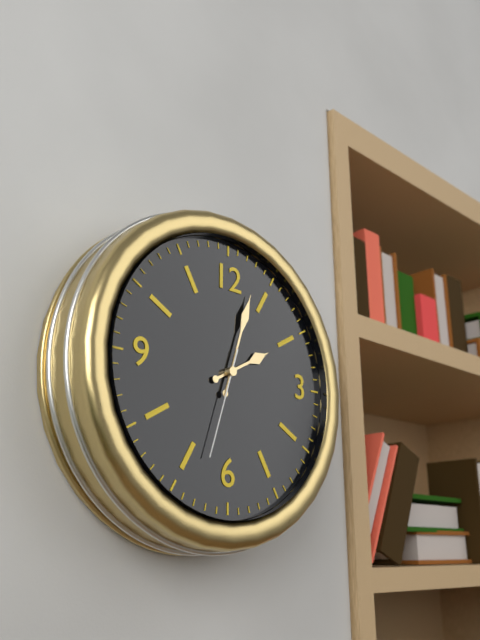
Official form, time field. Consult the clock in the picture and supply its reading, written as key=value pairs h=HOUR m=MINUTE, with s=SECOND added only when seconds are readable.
h=2 m=3 s=33
